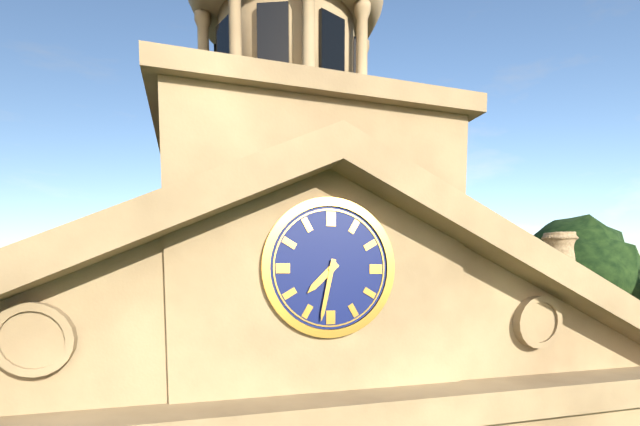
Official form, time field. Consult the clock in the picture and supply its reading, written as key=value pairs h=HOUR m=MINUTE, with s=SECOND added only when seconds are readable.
h=7 m=32
